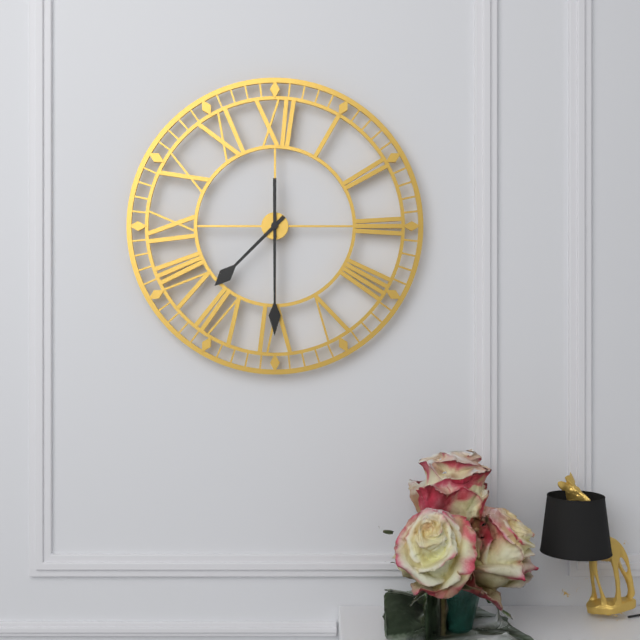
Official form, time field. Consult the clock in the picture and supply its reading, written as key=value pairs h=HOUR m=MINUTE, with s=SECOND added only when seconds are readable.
h=7 m=30
